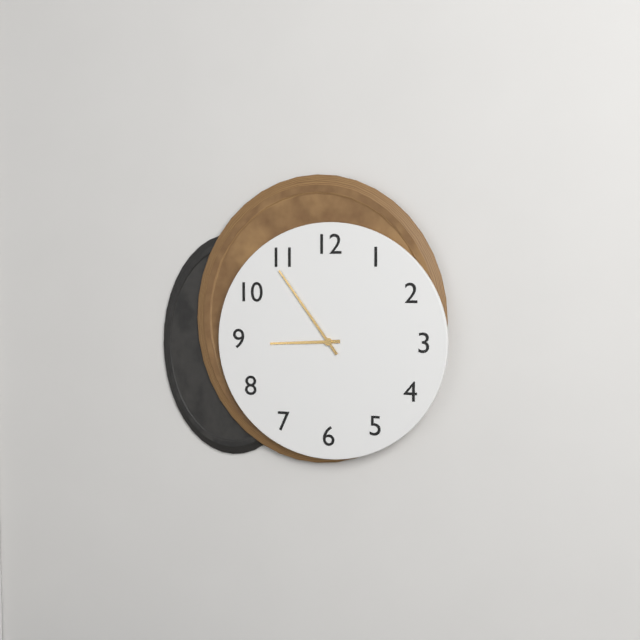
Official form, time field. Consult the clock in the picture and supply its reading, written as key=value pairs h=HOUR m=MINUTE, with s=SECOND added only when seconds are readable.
h=8 m=54
